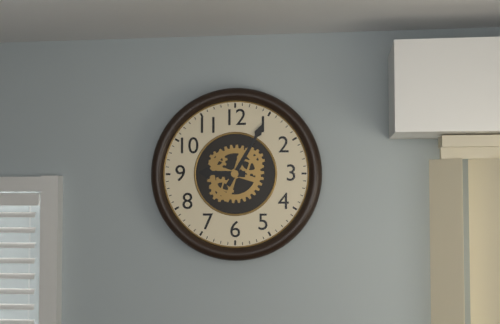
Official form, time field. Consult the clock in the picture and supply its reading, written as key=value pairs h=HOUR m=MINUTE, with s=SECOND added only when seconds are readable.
h=9 m=5
